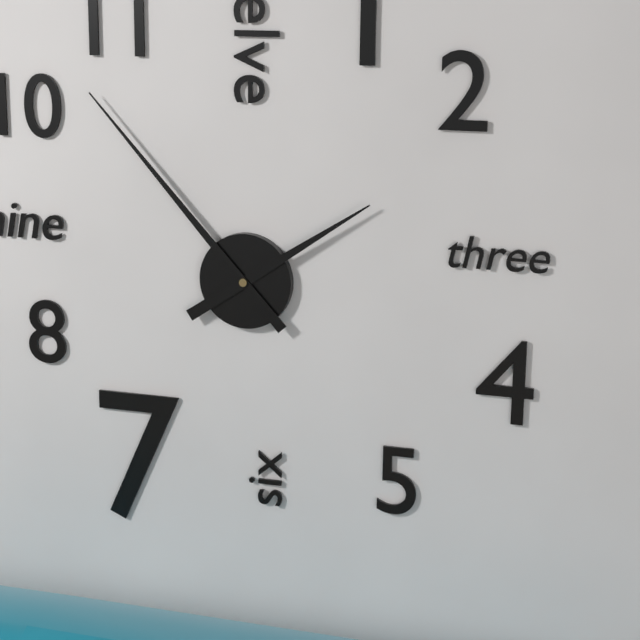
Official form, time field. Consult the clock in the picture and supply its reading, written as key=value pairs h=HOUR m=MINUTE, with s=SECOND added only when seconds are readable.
h=1 m=53
